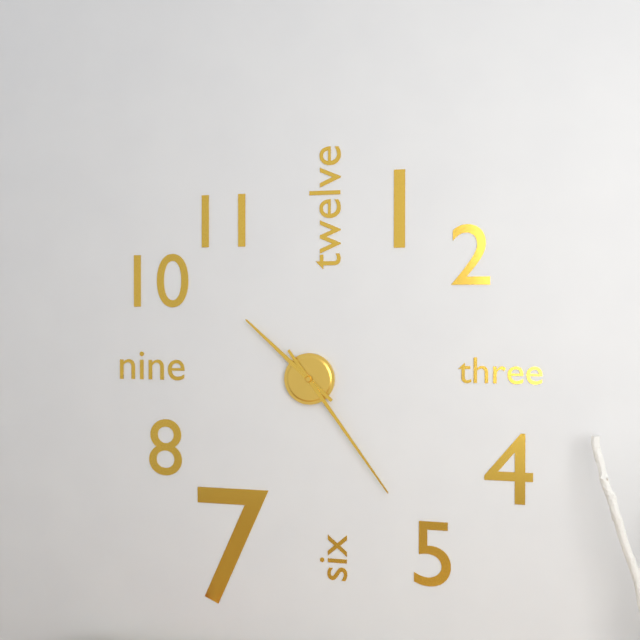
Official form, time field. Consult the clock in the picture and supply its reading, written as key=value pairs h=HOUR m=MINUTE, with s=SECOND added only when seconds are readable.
h=10 m=24
